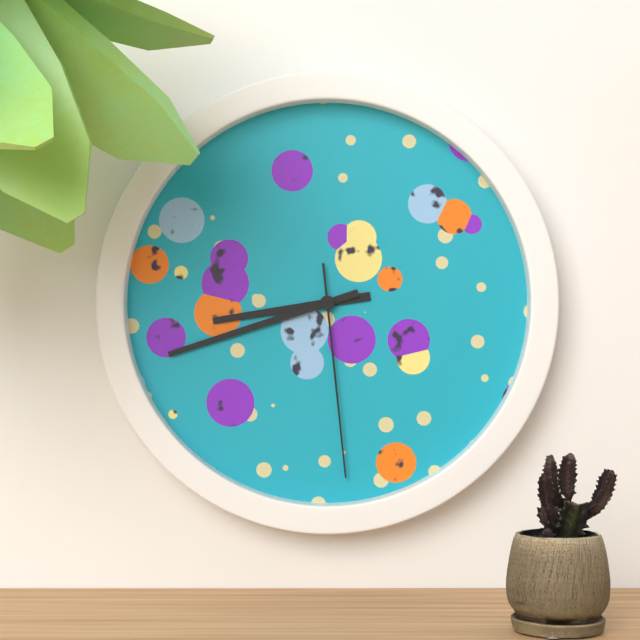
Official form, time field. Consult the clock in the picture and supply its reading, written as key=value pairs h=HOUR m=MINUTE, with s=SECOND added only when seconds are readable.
h=8 m=42 s=29
